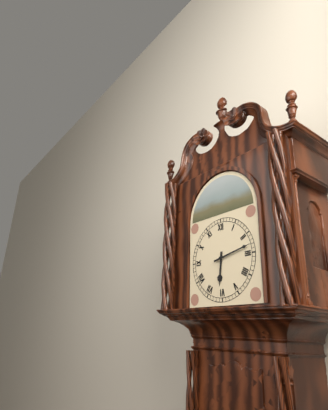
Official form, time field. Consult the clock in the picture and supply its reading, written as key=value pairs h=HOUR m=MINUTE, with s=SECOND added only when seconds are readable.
h=6 m=13
